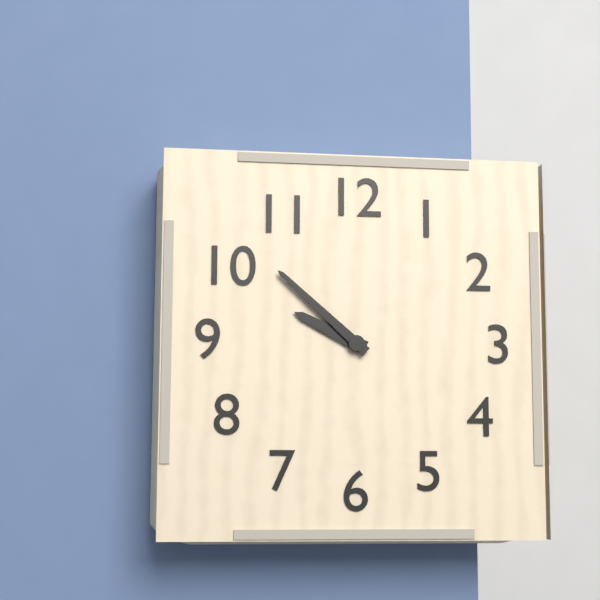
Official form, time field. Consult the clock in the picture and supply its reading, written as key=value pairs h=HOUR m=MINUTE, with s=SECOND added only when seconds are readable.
h=9 m=52
